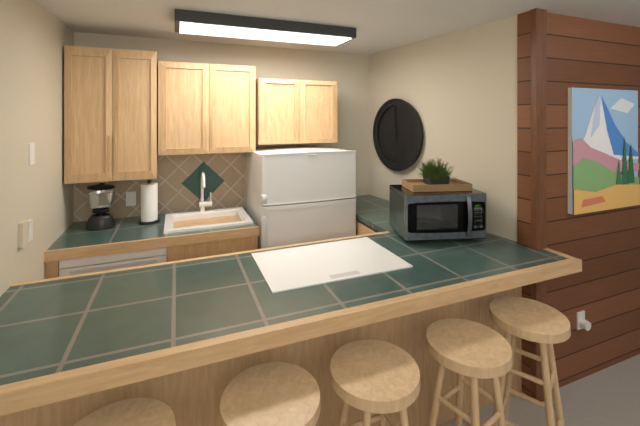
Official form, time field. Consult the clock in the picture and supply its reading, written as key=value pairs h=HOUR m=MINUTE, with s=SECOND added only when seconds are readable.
h=8 m=59
